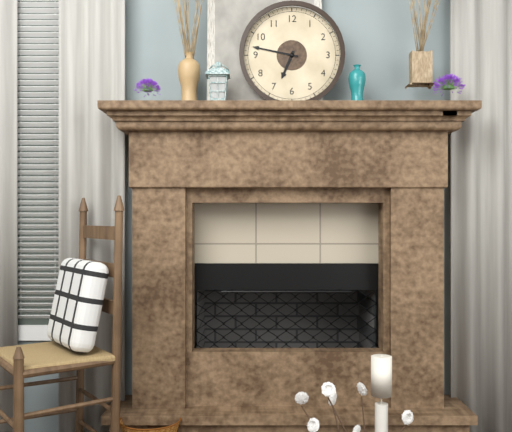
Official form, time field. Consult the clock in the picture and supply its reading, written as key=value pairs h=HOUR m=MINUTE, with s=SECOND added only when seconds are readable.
h=6 m=47
